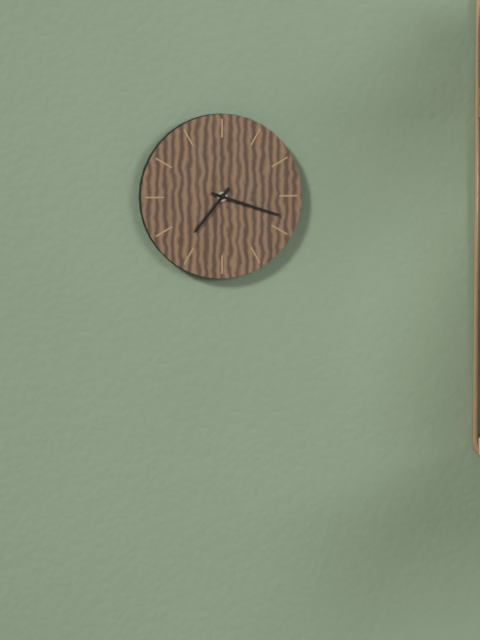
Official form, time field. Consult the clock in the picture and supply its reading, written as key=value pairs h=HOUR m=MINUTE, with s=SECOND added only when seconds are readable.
h=7 m=18
